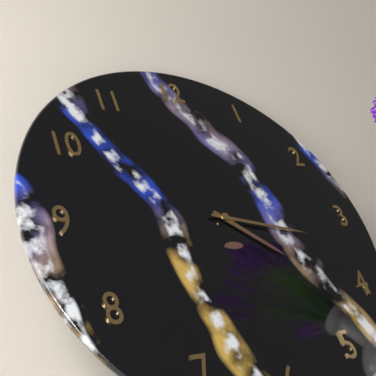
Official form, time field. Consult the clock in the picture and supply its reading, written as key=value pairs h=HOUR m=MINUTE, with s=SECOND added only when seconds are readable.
h=4 m=17
